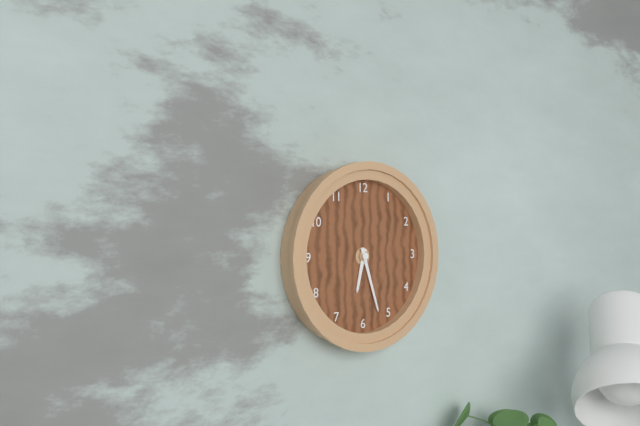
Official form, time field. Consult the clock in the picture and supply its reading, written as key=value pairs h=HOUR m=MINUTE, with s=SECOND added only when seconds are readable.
h=6 m=27
